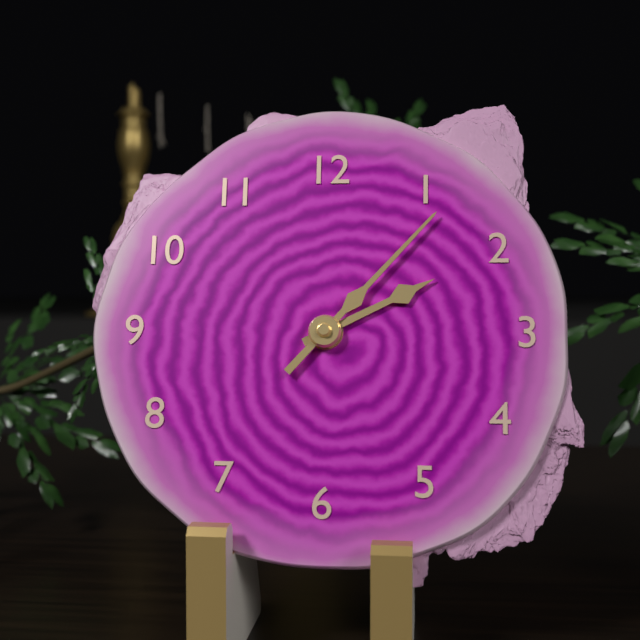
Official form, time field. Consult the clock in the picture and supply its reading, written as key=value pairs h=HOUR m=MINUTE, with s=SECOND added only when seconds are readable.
h=2 m=7
